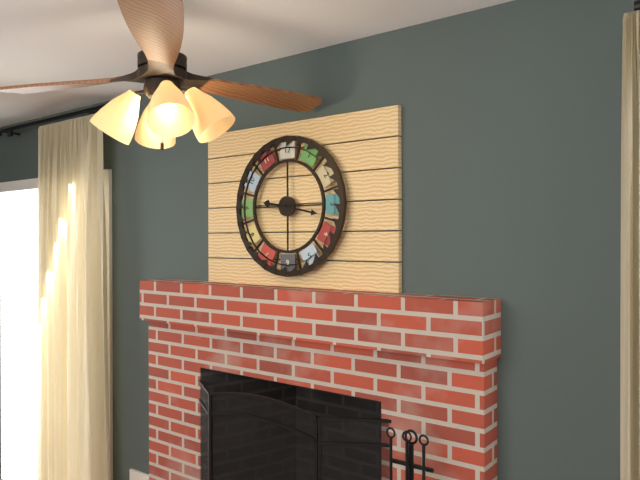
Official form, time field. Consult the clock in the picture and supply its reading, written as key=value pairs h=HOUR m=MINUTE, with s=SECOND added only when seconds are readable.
h=9 m=17
